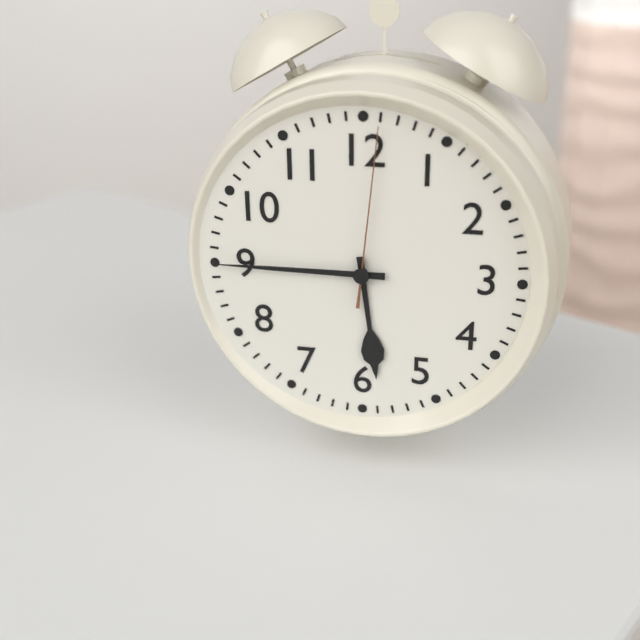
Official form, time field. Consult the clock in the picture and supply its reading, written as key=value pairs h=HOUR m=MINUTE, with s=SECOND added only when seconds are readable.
h=5 m=45 s=1
